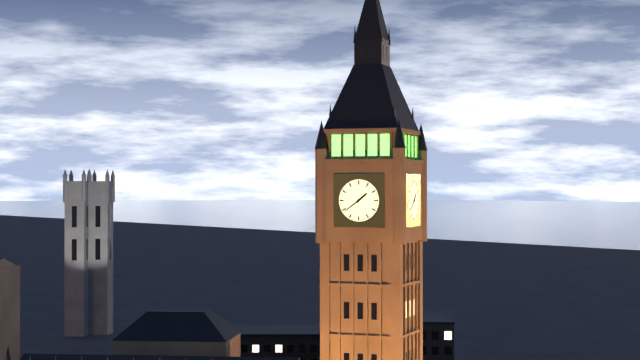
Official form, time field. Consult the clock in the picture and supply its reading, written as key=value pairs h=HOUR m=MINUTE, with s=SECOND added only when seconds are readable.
h=1 m=39
